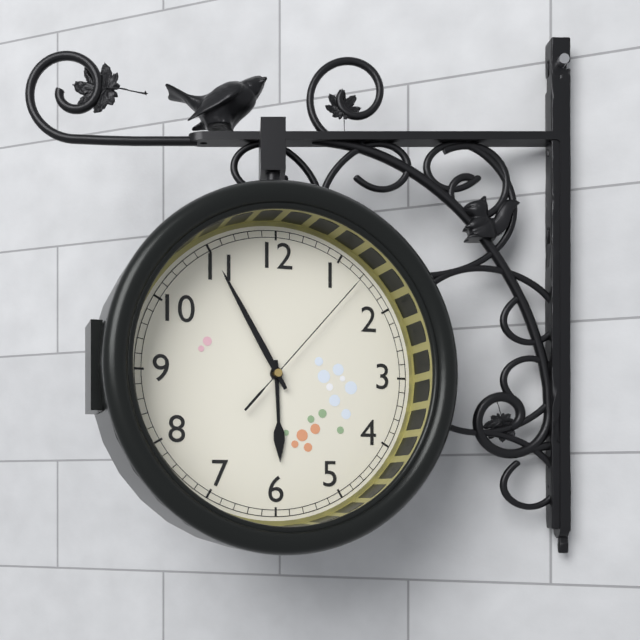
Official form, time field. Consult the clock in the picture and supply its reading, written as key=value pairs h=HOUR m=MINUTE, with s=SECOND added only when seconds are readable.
h=5 m=55 s=7
